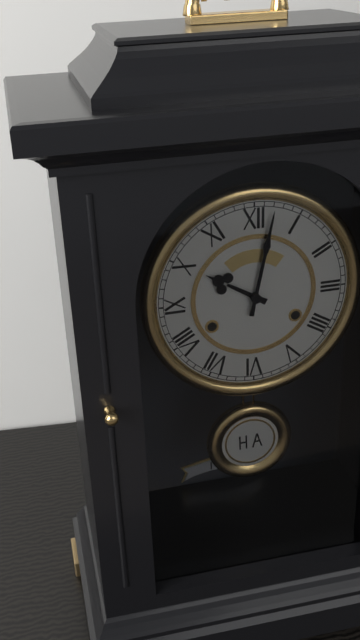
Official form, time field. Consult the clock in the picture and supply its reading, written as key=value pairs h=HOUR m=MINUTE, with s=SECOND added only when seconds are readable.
h=10 m=2
